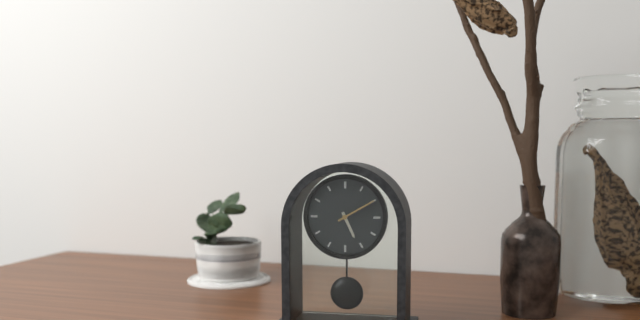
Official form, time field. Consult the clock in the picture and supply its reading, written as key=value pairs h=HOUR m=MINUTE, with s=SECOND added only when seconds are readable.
h=5 m=10
